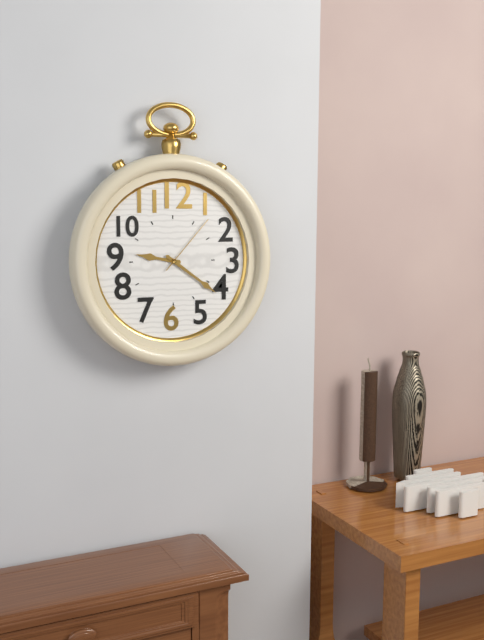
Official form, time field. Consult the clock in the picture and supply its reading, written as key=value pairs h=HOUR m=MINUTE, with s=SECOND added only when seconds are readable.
h=9 m=21 s=7
